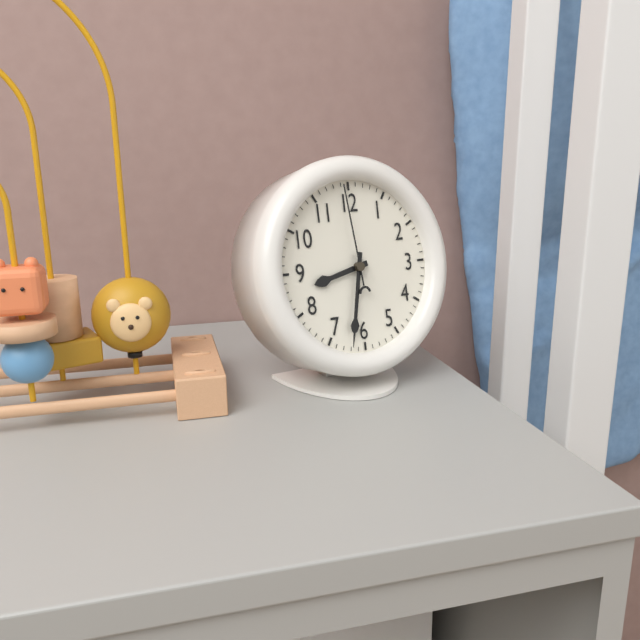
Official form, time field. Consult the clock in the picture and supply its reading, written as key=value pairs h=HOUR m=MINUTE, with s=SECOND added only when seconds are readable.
h=8 m=32 s=59
